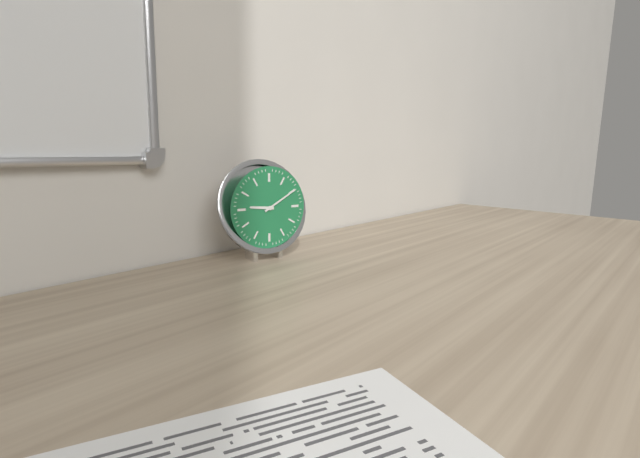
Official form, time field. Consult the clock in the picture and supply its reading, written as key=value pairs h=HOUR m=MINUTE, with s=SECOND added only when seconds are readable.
h=9 m=10
